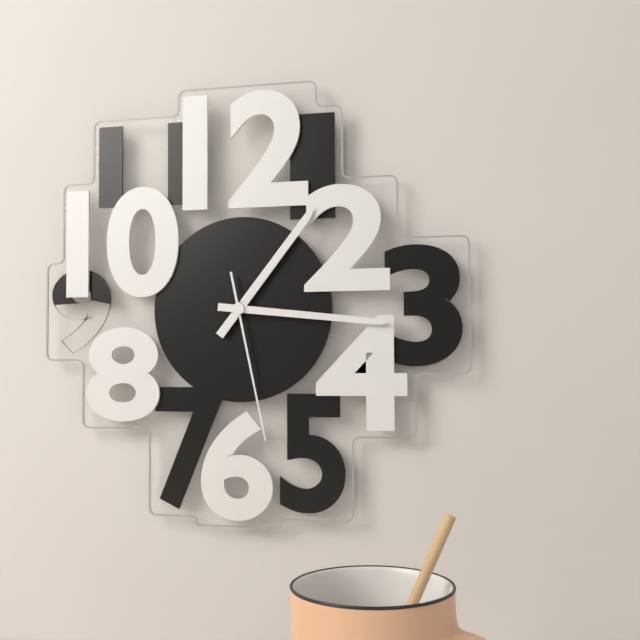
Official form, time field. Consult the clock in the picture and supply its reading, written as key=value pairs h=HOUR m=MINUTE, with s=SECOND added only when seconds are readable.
h=1 m=16 s=28
